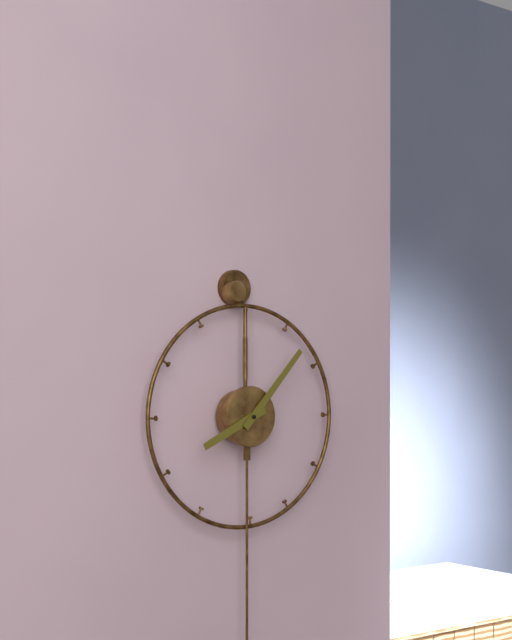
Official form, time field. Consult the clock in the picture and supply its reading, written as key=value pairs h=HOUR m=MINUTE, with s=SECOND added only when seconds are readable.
h=8 m=7
